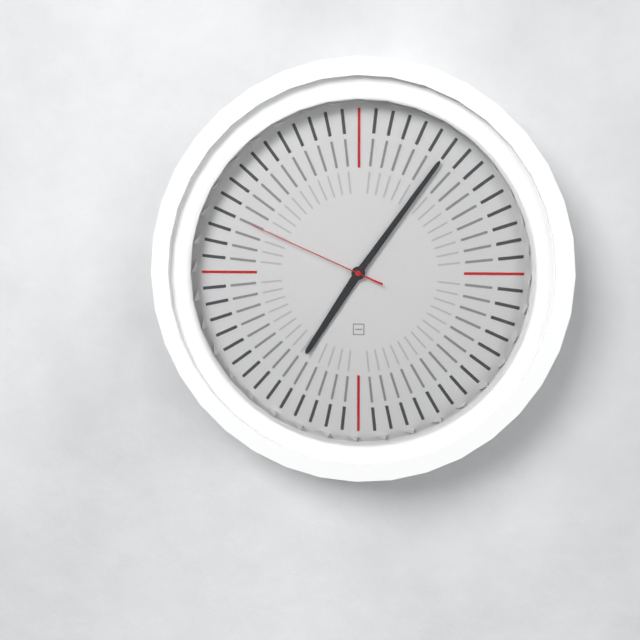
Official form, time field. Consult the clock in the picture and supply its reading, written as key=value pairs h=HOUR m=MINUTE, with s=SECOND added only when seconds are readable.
h=7 m=6 s=49
